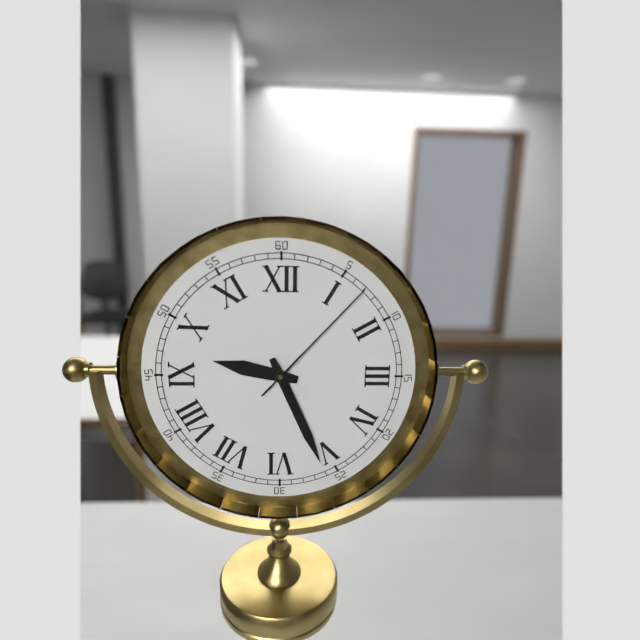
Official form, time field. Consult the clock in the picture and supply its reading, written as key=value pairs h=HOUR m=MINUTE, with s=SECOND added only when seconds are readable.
h=9 m=26 s=7
